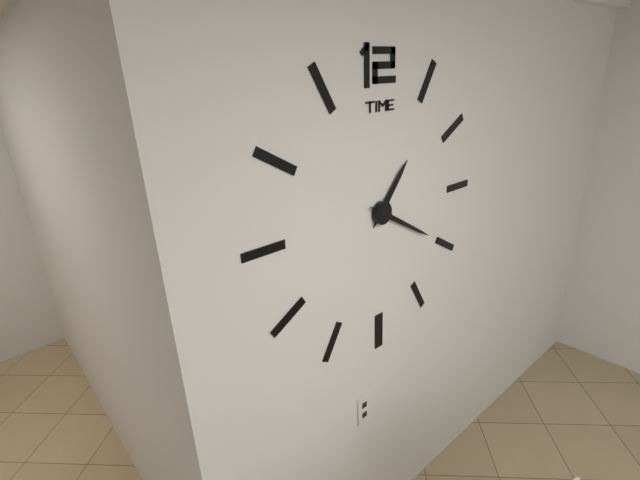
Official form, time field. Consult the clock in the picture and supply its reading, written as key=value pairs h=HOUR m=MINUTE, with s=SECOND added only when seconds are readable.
h=1 m=20
